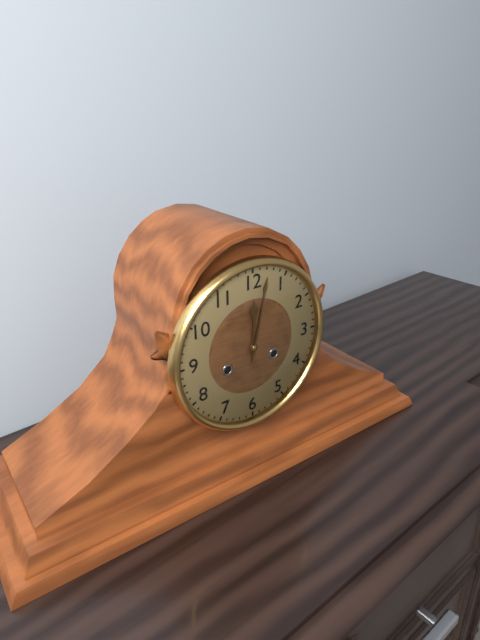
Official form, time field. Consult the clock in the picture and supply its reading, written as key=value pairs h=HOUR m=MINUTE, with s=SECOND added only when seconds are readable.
h=12 m=2
